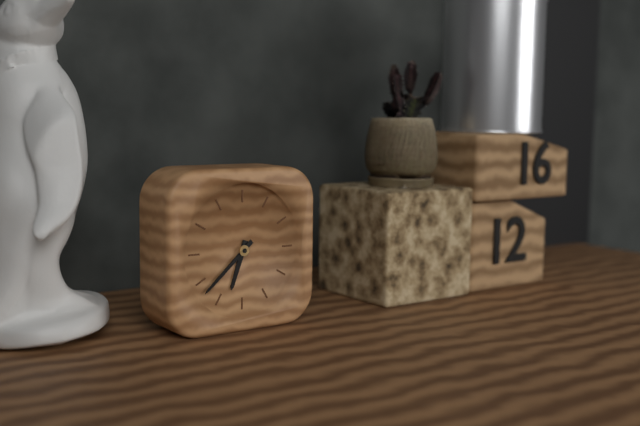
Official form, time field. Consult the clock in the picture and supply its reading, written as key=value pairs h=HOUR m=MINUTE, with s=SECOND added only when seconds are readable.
h=6 m=38
